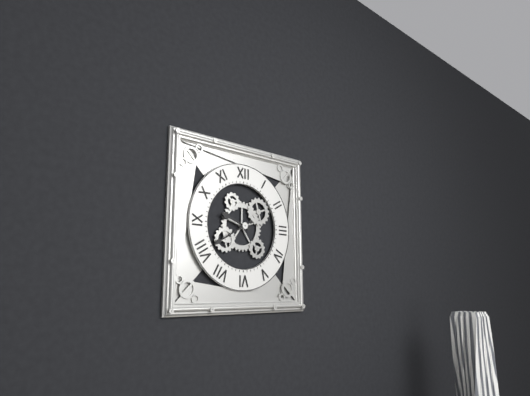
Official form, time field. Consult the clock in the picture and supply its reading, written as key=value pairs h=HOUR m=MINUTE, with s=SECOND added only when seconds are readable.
h=9 m=40
